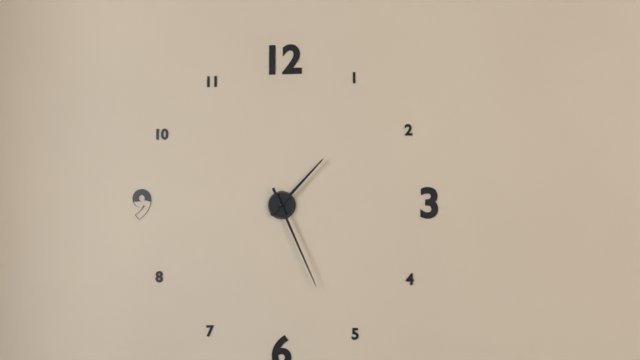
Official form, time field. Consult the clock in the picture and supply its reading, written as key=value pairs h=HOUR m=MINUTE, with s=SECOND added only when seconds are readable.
h=1 m=26
